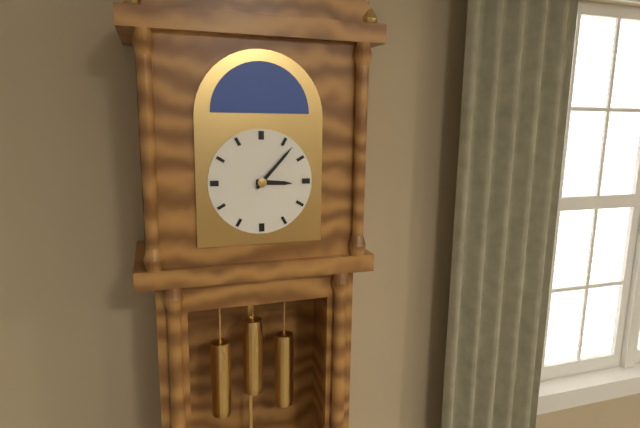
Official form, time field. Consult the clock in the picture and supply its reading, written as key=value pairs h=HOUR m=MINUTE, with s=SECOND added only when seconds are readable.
h=3 m=7
